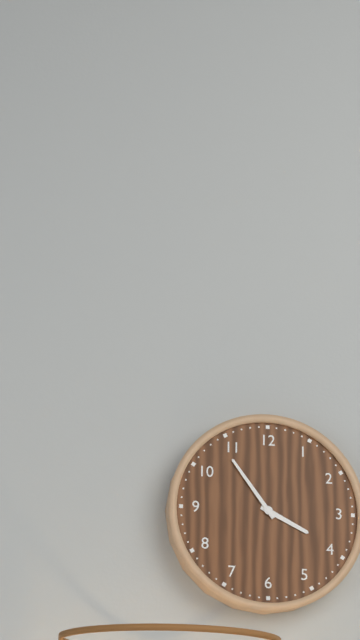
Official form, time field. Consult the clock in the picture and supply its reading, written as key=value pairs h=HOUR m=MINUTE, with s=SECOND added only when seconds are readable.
h=3 m=54
